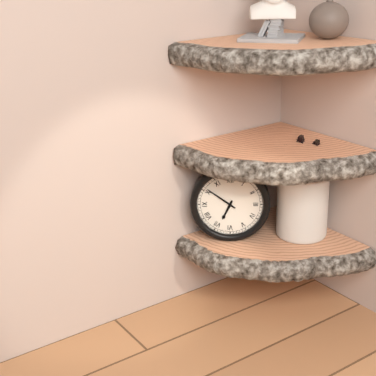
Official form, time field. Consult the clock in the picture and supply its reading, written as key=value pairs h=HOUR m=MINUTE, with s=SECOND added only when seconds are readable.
h=6 m=51
